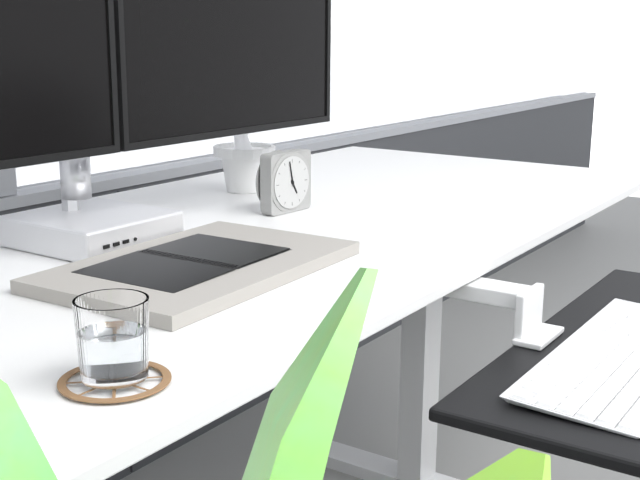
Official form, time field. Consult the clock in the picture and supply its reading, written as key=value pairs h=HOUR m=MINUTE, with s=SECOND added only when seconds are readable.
h=4 m=58
